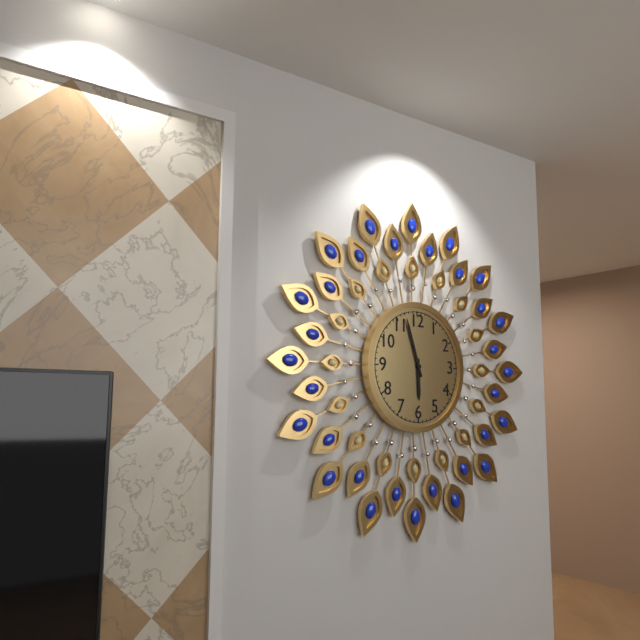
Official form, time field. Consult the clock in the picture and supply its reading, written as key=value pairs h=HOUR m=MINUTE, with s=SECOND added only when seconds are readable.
h=5 m=57
